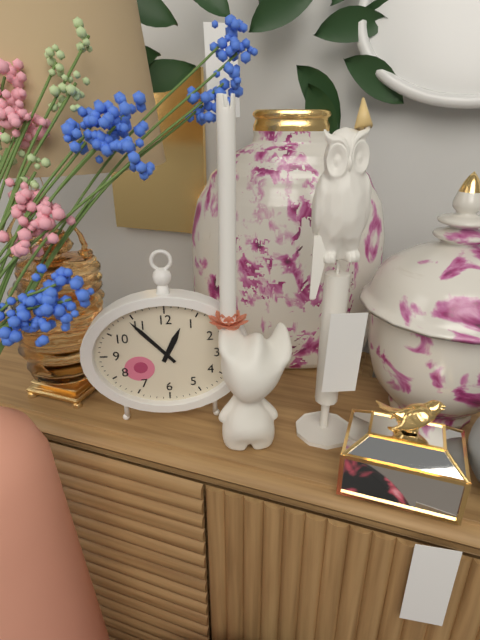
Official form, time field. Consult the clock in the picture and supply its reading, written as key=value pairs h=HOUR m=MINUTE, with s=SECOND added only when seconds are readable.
h=12 m=53
